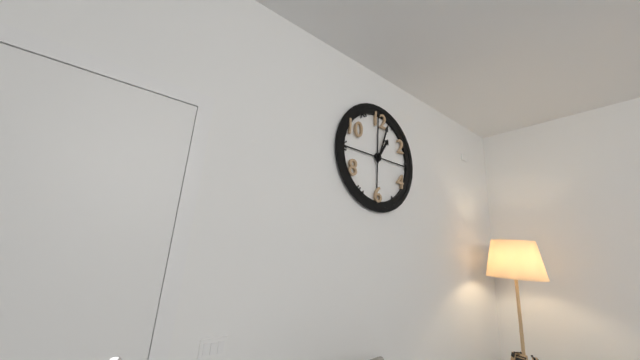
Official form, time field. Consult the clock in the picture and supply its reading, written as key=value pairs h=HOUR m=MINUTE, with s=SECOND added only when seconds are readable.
h=1 m=3
